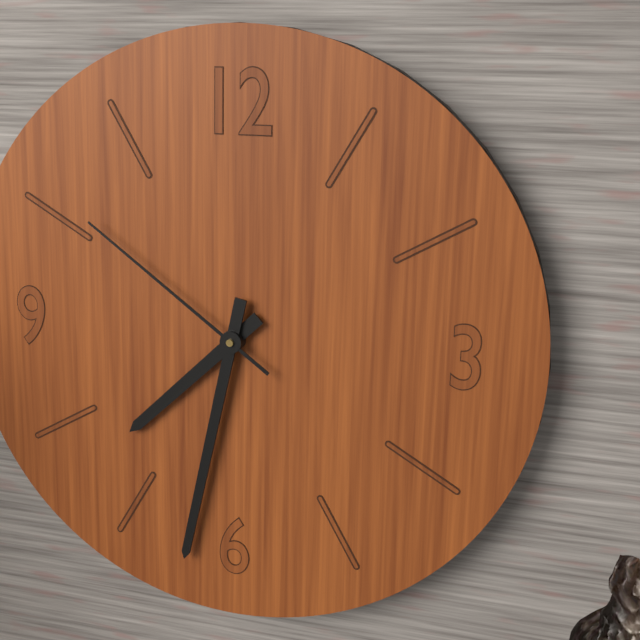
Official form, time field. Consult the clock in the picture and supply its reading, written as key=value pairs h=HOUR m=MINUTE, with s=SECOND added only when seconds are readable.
h=7 m=32 s=51
